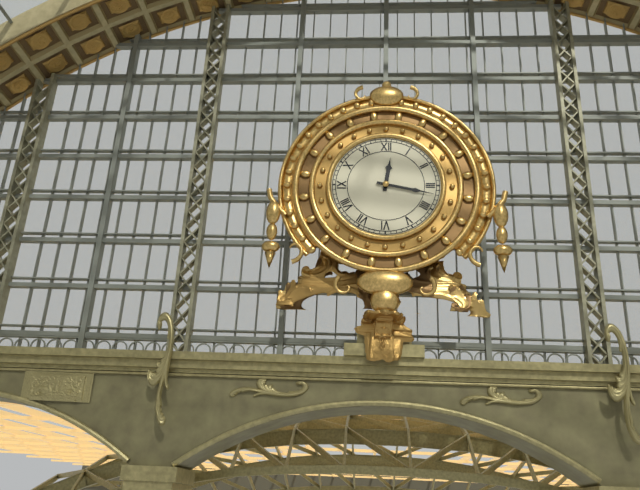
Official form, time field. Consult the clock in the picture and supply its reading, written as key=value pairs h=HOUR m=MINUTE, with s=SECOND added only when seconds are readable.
h=12 m=17
